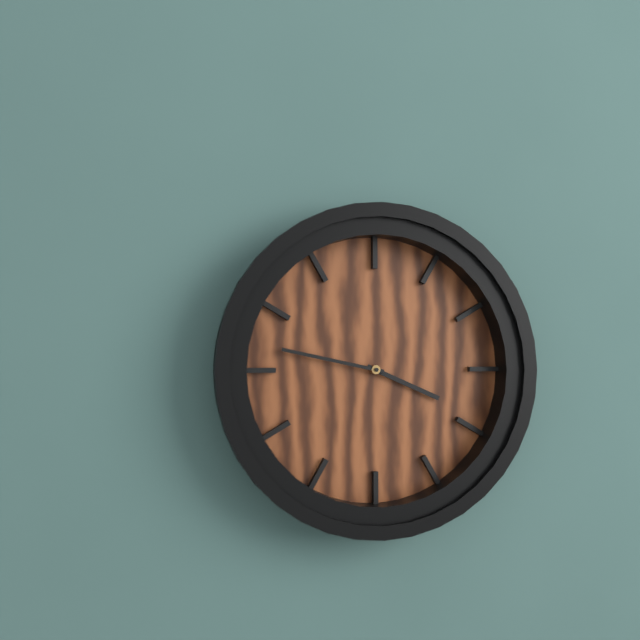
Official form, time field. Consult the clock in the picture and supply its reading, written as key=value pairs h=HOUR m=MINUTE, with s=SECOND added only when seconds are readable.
h=3 m=47
